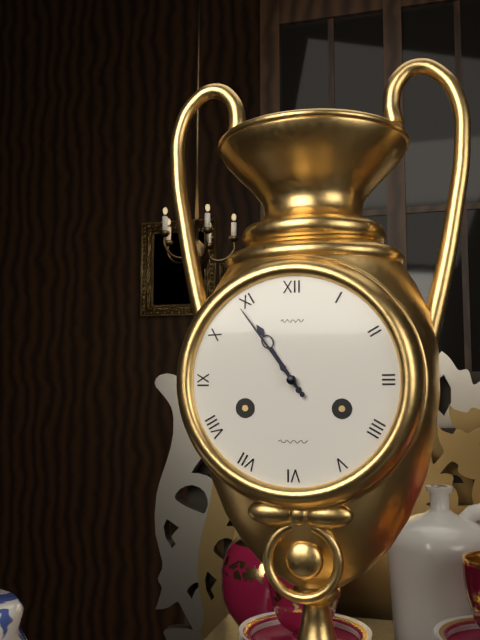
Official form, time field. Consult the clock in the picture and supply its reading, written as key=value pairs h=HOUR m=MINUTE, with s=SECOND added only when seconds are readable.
h=10 m=54
